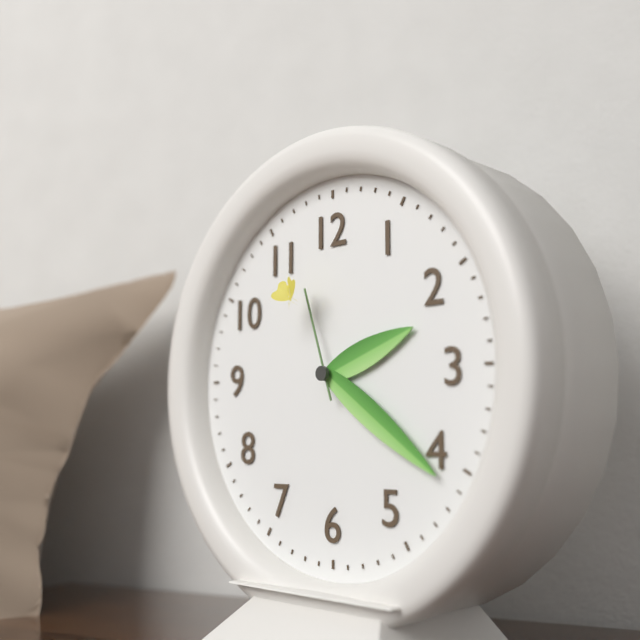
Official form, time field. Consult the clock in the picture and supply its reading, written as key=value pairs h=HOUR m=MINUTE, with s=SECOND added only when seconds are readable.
h=2 m=21 s=57
